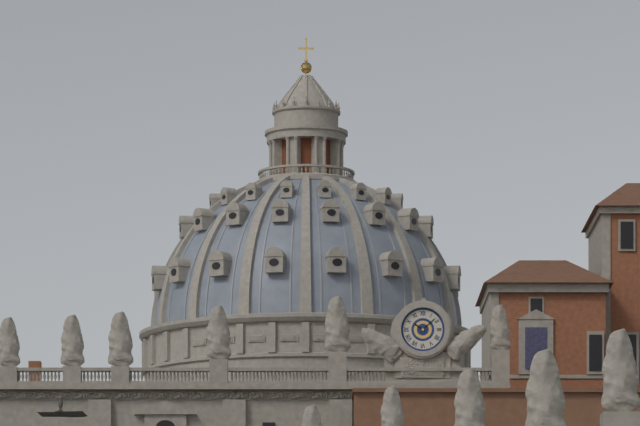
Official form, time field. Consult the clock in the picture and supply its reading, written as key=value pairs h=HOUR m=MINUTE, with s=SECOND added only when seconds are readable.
h=10 m=8
